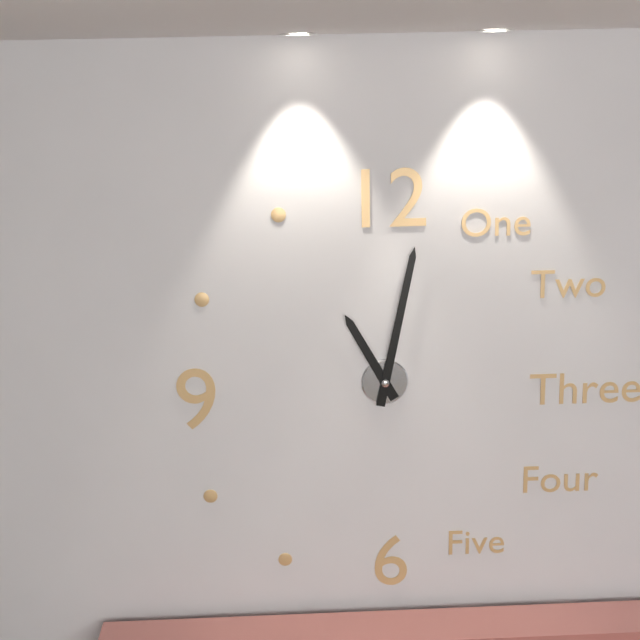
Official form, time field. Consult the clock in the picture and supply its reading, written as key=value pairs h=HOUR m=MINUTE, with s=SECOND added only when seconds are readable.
h=11 m=2
